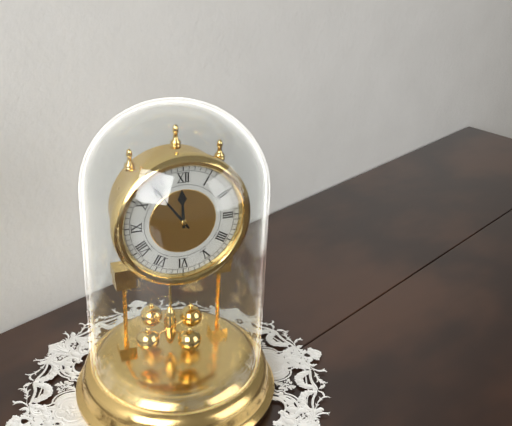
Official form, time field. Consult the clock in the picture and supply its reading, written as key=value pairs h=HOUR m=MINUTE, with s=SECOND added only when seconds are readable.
h=11 m=54
